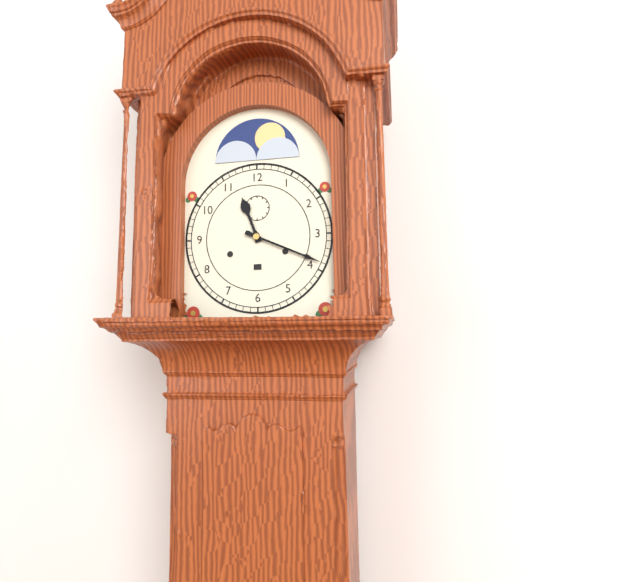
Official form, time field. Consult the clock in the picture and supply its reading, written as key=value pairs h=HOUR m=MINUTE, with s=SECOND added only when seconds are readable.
h=11 m=19
